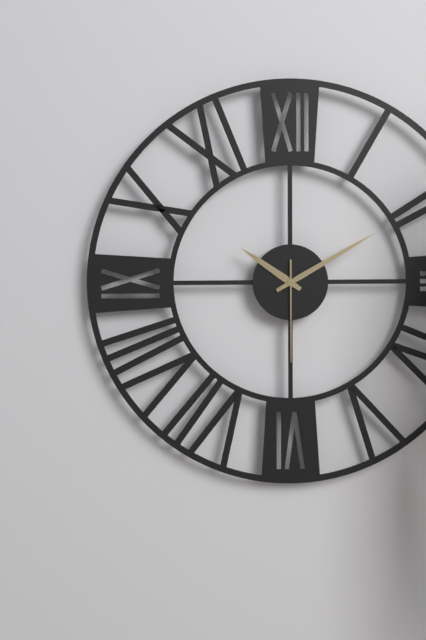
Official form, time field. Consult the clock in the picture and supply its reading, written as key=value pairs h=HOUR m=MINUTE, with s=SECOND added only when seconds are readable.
h=10 m=10 s=30
